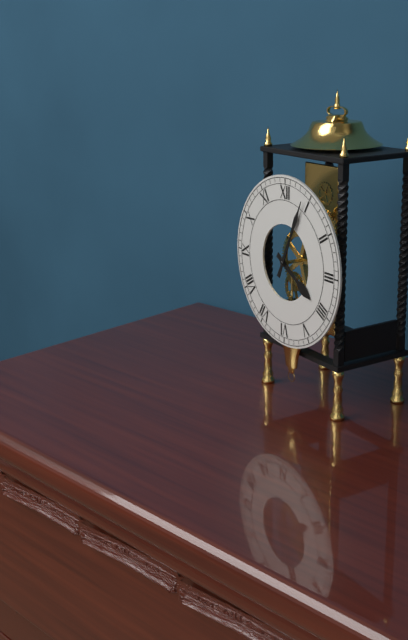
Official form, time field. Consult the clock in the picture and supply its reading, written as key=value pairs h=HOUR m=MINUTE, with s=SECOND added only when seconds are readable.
h=4 m=4
